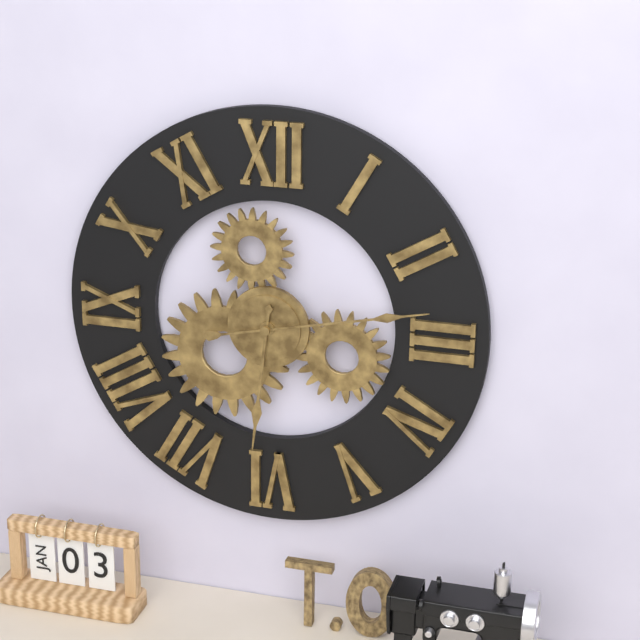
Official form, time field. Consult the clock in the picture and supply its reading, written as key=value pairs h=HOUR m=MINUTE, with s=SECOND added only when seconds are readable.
h=6 m=13
